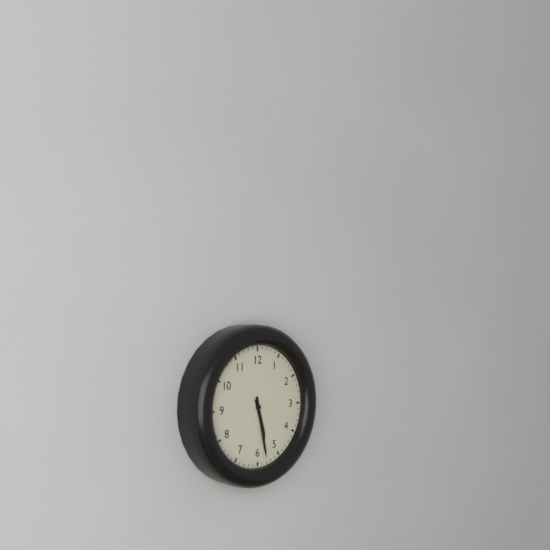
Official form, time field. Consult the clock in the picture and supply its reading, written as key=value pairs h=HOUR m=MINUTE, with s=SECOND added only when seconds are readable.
h=5 m=28
